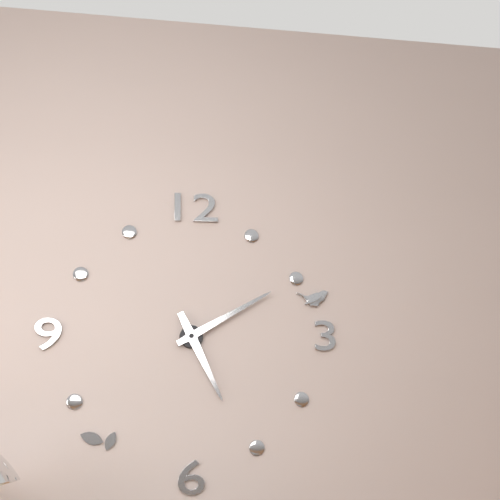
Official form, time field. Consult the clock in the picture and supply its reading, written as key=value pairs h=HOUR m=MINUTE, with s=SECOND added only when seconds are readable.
h=5 m=10
